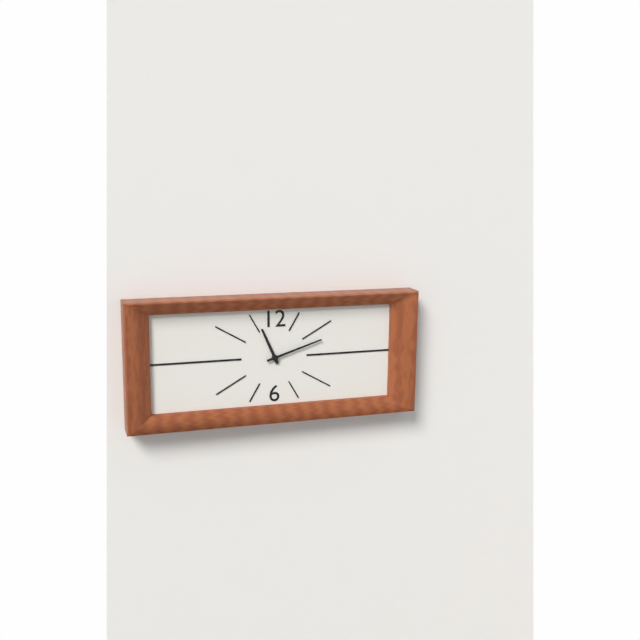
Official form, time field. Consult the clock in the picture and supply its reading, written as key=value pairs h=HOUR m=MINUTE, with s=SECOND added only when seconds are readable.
h=11 m=12
